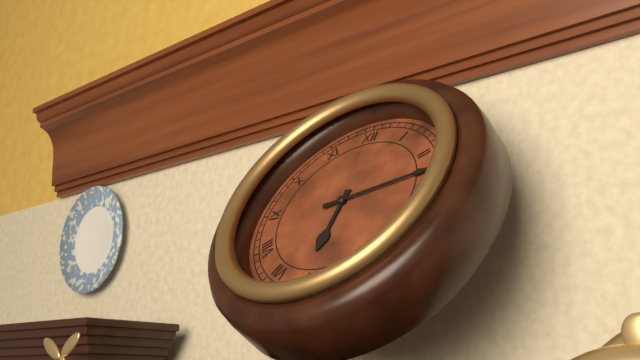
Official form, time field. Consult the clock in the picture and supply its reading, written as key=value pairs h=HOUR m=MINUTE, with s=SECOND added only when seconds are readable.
h=6 m=13
